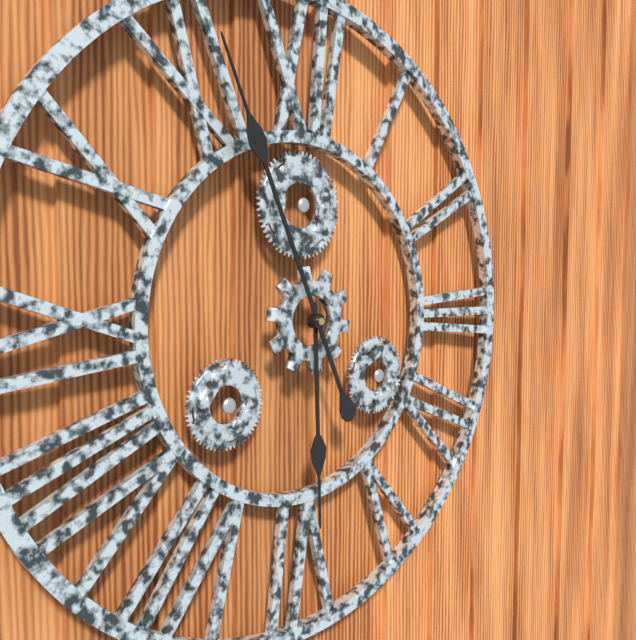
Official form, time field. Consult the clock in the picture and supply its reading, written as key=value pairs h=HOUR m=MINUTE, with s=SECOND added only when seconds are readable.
h=5 m=56
